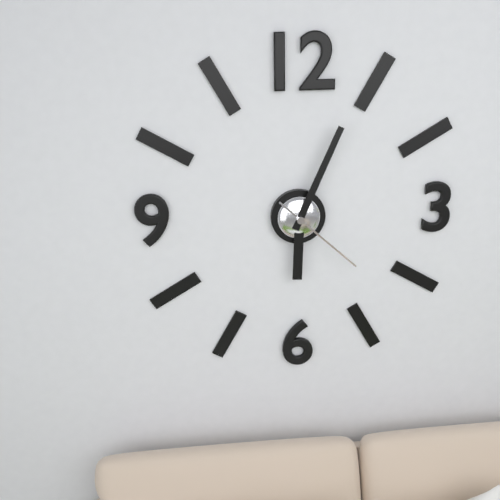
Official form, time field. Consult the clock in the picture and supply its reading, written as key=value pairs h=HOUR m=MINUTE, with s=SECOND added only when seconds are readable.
h=6 m=4 s=22
